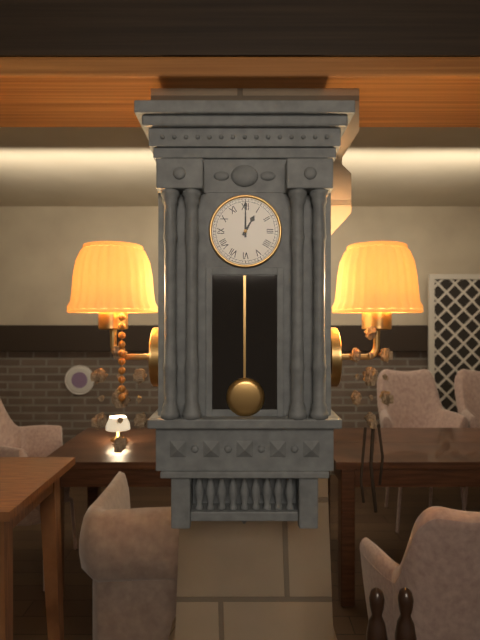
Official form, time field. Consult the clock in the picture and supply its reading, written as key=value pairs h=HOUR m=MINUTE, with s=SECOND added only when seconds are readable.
h=1 m=0
